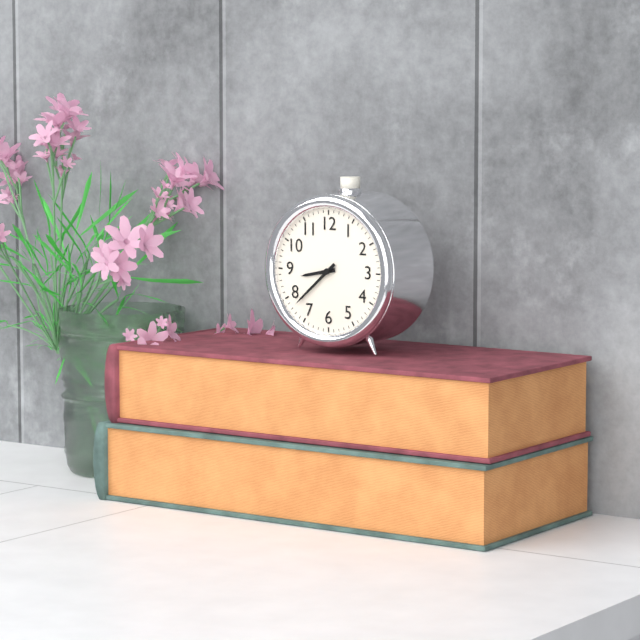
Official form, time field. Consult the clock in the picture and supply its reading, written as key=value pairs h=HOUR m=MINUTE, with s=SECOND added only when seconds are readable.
h=8 m=38
